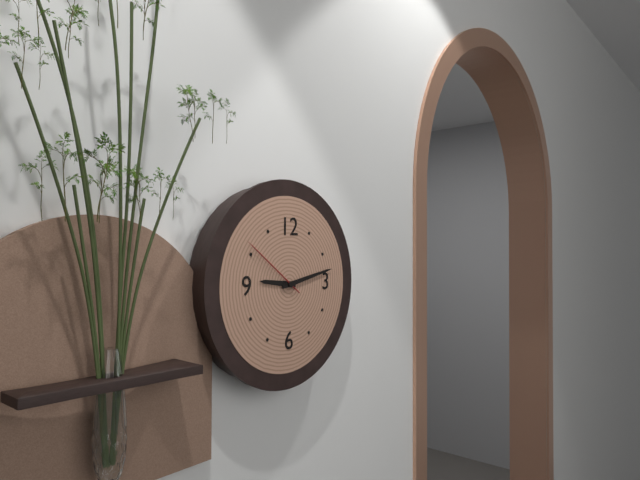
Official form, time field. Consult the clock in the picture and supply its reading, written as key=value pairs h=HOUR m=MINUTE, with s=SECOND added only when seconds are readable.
h=9 m=13 s=51
